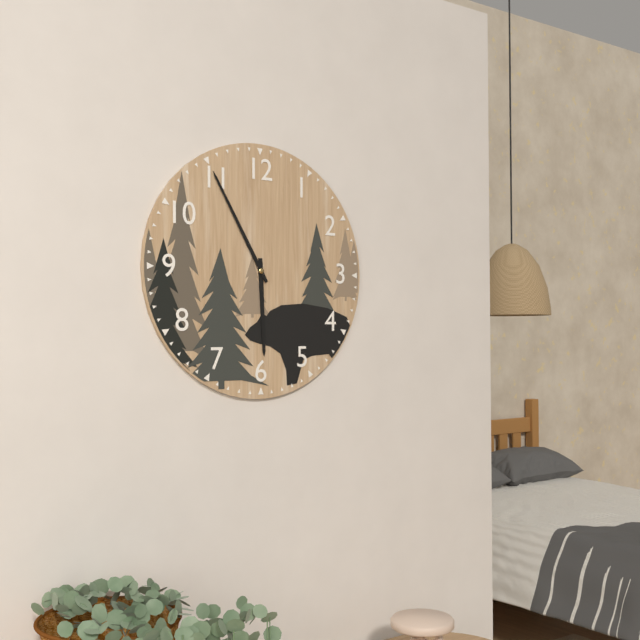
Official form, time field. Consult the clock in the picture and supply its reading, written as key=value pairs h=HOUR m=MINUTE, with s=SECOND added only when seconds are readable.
h=5 m=55
